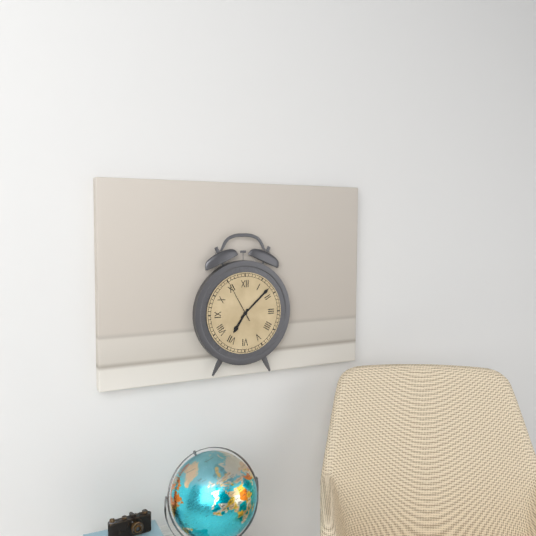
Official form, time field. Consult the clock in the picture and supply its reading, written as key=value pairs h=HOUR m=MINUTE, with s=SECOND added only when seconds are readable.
h=7 m=8
